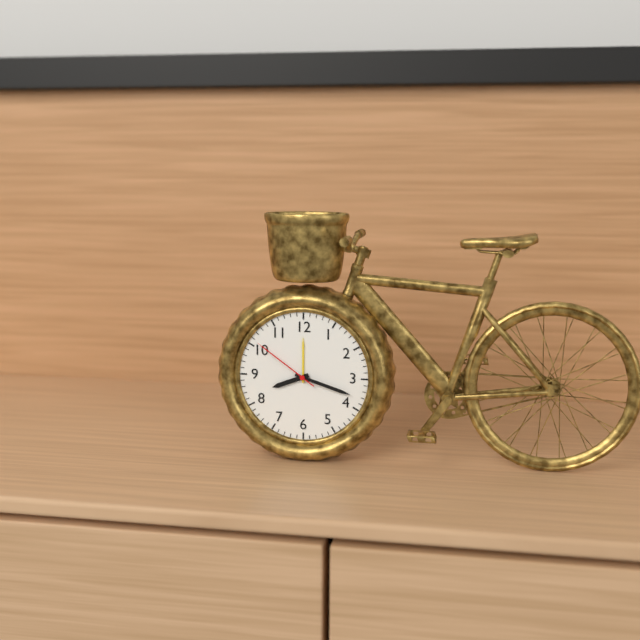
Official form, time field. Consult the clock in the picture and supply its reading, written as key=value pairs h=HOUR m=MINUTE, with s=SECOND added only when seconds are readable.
h=8 m=18 s=51
